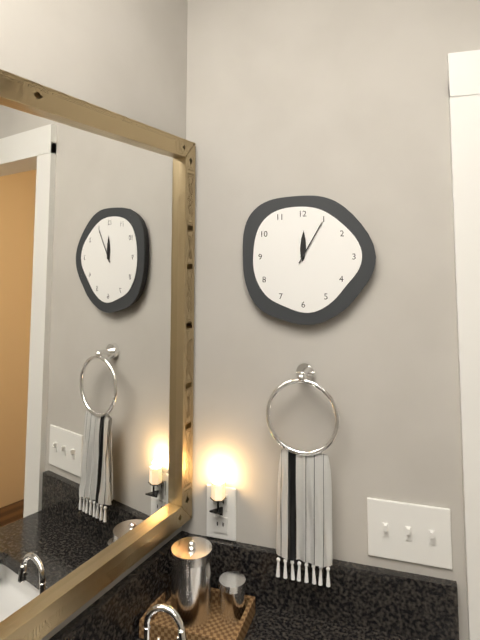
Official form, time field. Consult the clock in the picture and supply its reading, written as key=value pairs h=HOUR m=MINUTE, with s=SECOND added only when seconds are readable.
h=12 m=5
